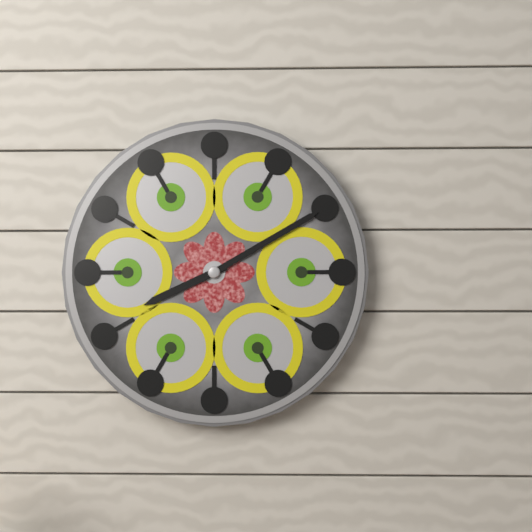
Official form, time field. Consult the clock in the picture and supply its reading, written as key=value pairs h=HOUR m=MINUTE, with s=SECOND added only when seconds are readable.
h=8 m=10
